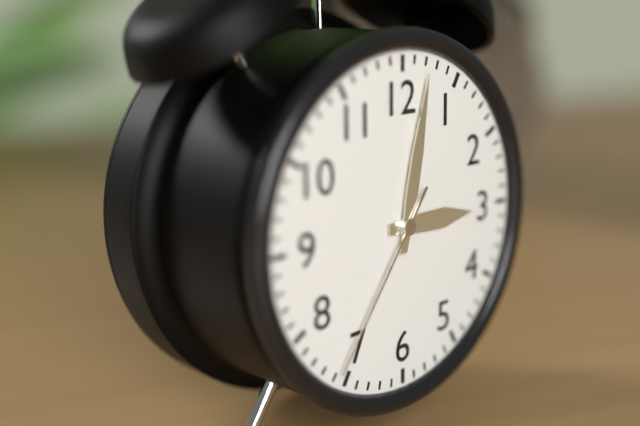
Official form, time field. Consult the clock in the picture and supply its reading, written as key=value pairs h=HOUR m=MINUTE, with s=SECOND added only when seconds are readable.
h=3 m=2 s=36
